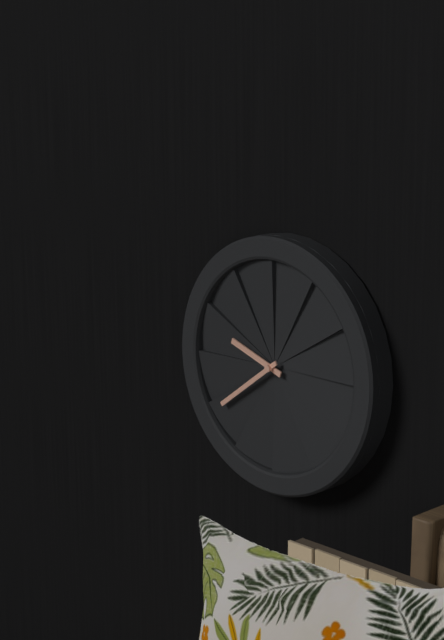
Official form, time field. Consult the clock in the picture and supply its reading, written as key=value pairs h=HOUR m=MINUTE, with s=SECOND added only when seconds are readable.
h=9 m=39
